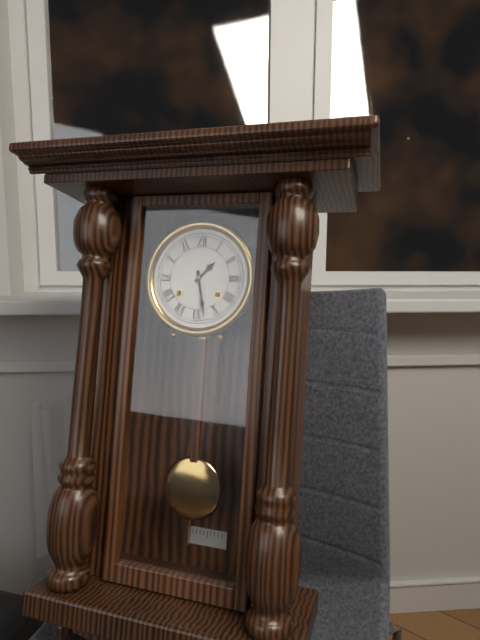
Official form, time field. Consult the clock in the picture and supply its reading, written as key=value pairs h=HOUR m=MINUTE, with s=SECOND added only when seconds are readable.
h=1 m=28
